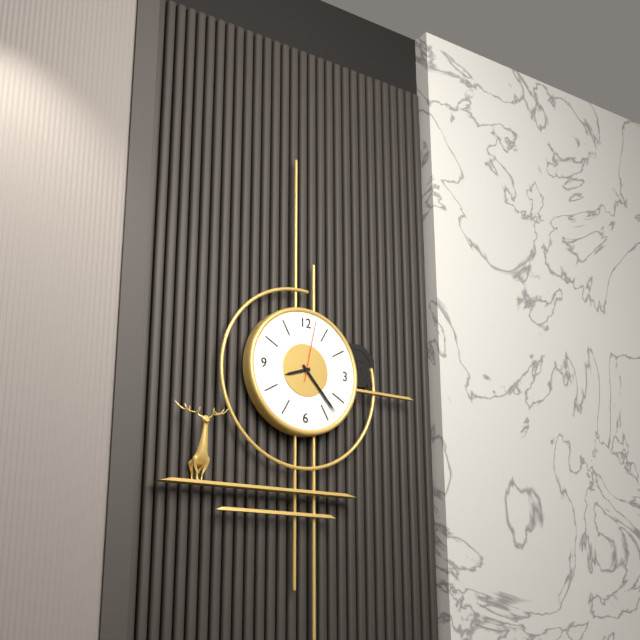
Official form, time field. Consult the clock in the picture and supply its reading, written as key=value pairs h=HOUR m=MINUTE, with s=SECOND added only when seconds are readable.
h=8 m=23 s=2
